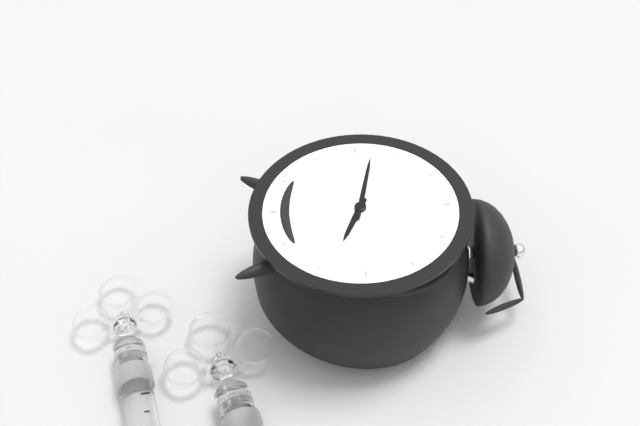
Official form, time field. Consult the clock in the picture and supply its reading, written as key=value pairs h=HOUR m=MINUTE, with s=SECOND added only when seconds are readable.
h=3 m=47
